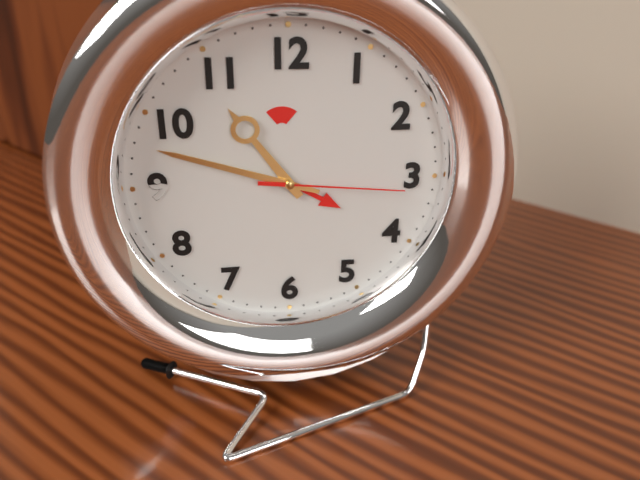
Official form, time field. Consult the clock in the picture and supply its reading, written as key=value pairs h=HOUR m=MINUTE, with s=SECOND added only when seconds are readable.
h=10 m=48 s=16
